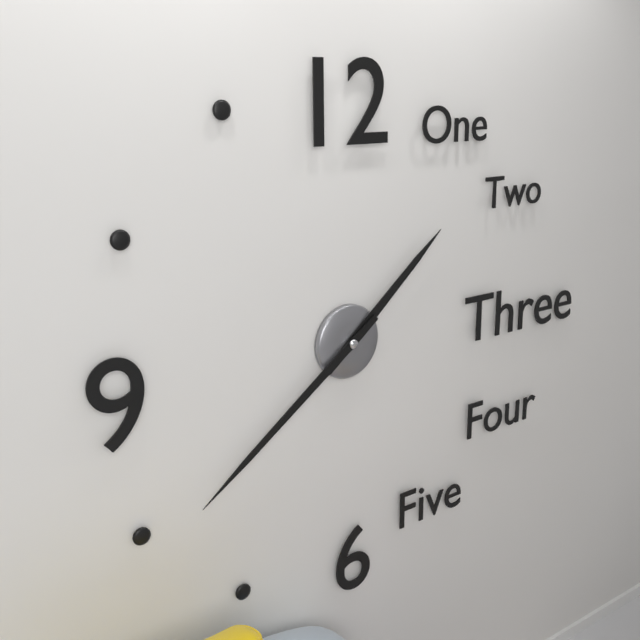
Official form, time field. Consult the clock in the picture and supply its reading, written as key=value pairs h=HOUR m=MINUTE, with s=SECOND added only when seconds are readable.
h=1 m=39
